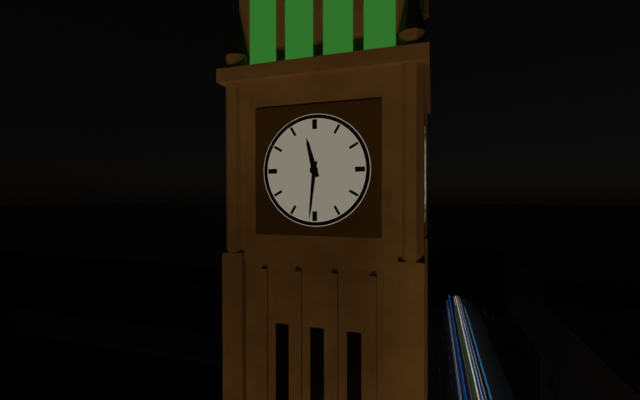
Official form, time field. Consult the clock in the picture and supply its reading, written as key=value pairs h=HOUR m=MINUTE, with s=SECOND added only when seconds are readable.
h=11 m=31
